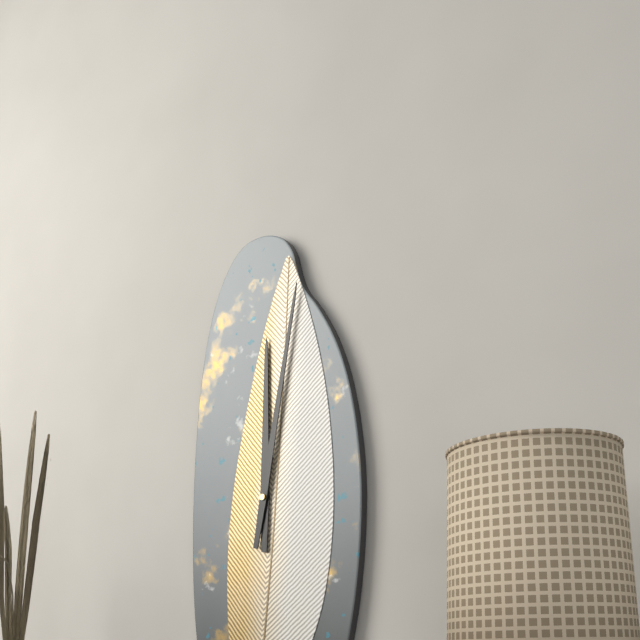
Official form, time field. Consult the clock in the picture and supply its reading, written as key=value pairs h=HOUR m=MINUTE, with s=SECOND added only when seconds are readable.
h=12 m=2
